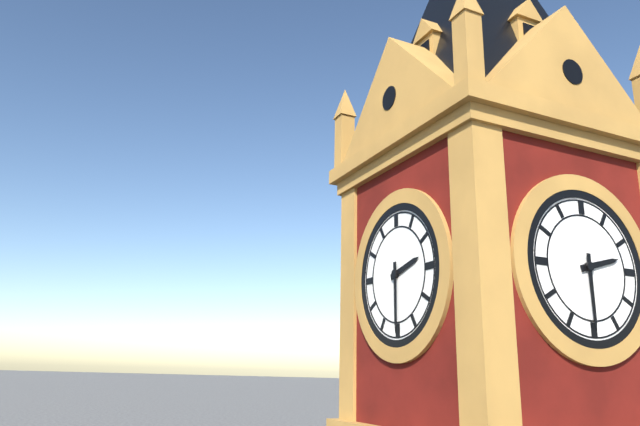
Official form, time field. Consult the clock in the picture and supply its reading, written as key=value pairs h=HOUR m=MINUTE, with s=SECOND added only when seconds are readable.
h=2 m=30
